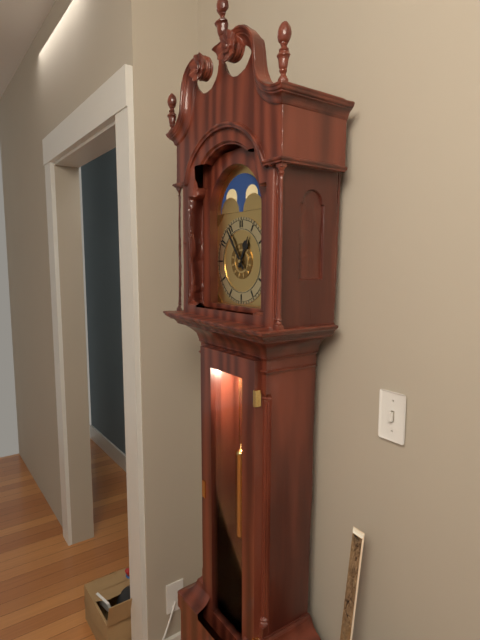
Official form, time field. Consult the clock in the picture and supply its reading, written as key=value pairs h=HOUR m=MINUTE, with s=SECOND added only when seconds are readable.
h=12 m=54
